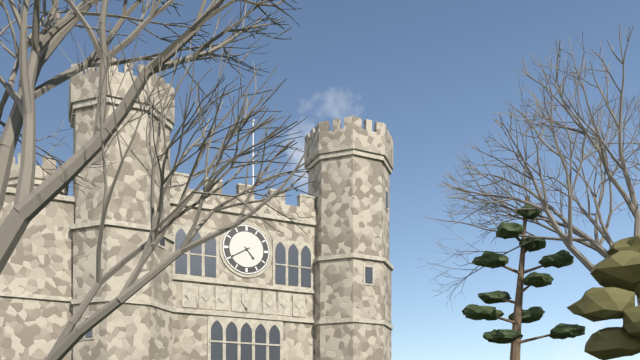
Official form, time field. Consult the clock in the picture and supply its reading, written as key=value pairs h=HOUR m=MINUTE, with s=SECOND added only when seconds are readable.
h=4 m=40
